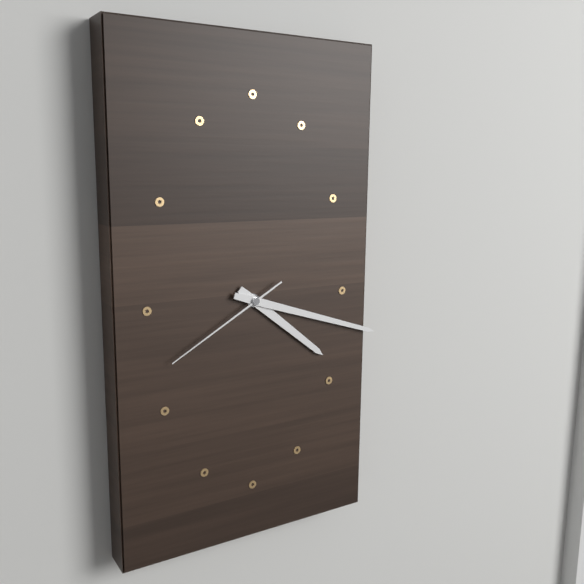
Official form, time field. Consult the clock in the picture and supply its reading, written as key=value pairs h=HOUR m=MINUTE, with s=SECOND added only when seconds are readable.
h=4 m=18 s=40
